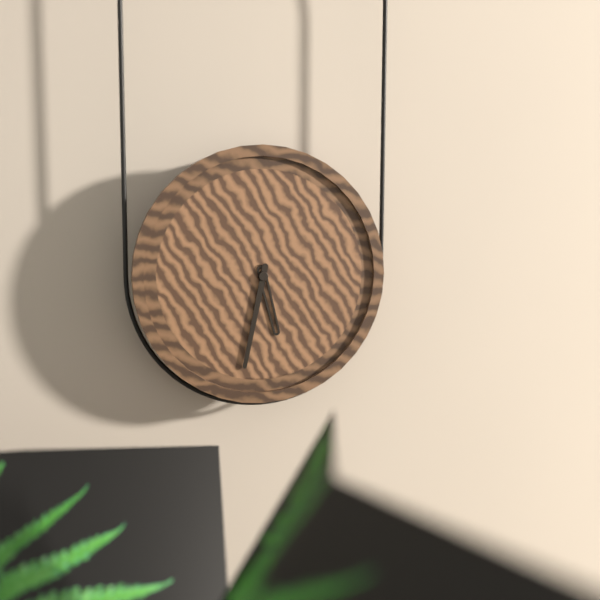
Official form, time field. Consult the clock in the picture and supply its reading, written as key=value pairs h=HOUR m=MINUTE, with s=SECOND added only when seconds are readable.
h=5 m=32
